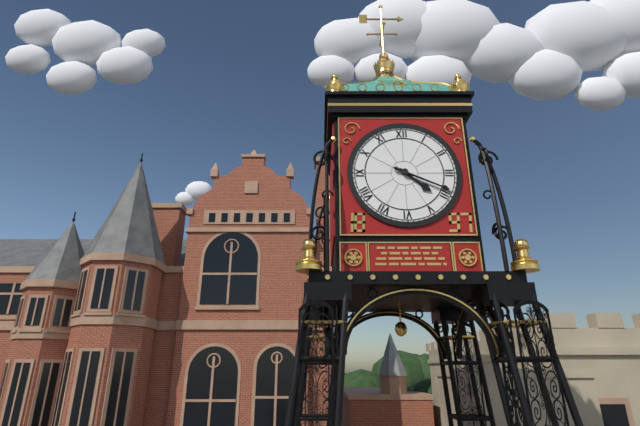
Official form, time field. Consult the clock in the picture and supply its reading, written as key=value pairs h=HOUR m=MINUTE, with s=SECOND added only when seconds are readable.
h=4 m=19
